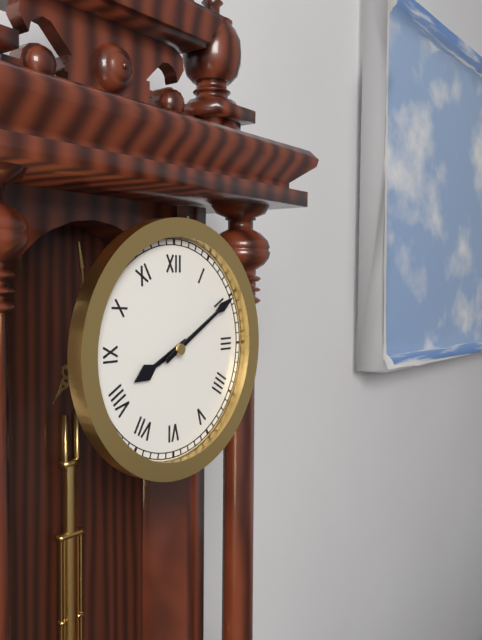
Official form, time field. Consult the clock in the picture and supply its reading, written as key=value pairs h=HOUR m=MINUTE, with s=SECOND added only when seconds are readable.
h=8 m=10
